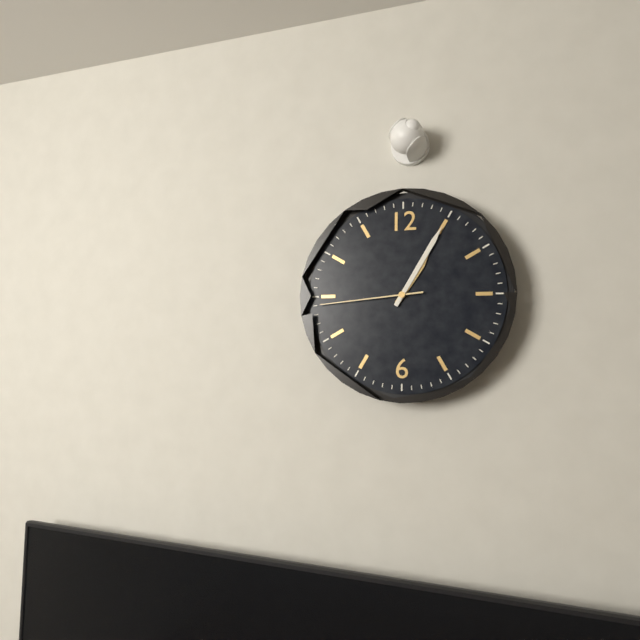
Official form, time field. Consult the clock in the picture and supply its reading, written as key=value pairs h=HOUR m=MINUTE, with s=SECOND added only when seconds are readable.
h=1 m=5 s=44
